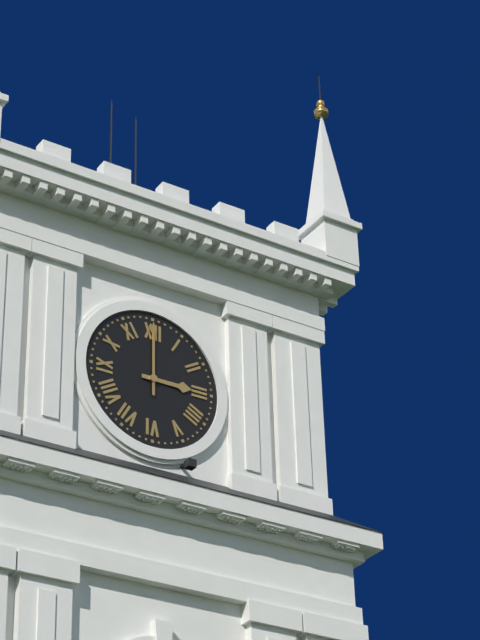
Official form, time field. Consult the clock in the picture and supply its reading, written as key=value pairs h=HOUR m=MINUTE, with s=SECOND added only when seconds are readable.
h=3 m=0
